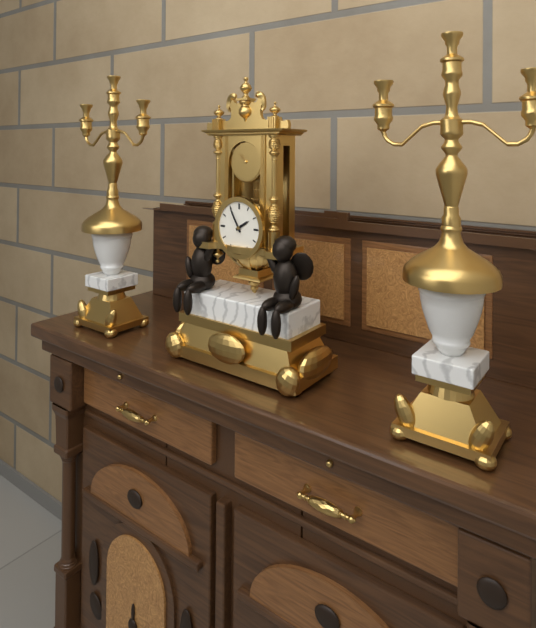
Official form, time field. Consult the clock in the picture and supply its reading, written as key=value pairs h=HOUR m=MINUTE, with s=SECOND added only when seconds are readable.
h=1 m=55
